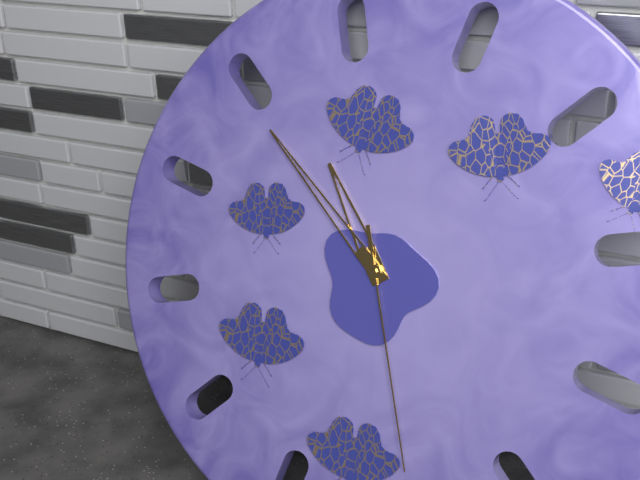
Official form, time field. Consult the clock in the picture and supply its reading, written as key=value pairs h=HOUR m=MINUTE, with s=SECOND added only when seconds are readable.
h=10 m=52 s=27
